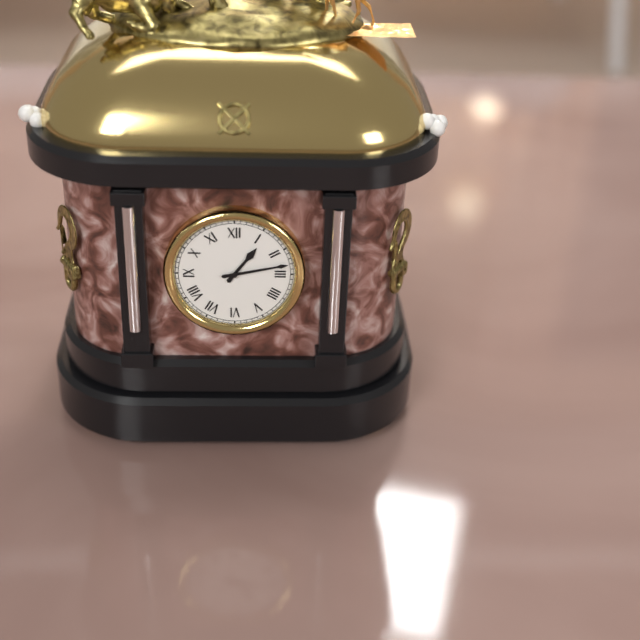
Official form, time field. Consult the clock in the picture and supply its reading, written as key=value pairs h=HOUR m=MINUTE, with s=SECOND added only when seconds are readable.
h=1 m=13
